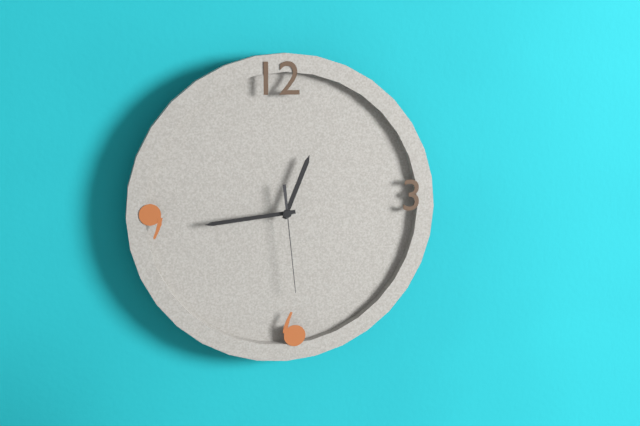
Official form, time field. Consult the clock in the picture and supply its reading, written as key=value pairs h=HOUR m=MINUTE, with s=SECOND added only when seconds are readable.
h=12 m=44 s=29
